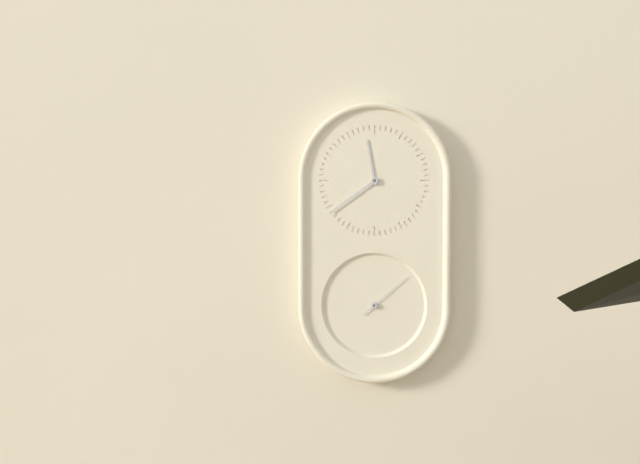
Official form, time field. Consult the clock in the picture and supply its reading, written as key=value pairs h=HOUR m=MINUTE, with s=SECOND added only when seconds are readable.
h=11 m=39 s=8
